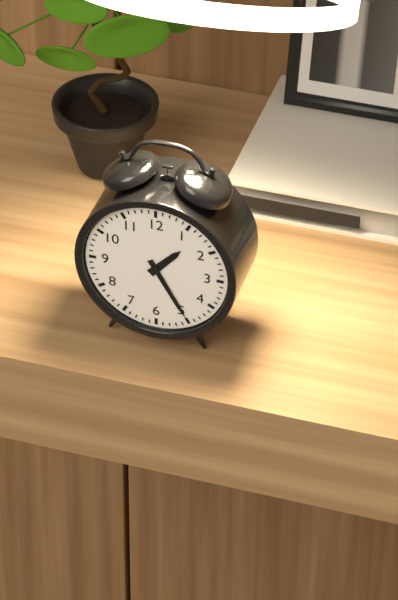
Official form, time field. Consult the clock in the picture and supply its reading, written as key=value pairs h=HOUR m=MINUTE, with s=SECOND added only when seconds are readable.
h=1 m=25
